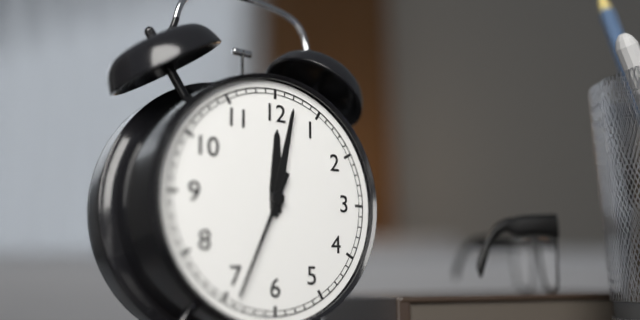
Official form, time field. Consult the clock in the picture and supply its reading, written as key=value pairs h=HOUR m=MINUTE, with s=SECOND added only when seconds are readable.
h=12 m=2 s=34
